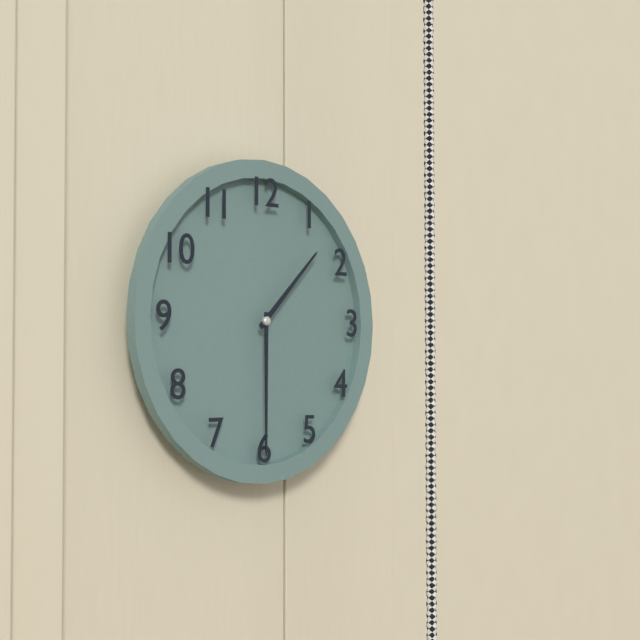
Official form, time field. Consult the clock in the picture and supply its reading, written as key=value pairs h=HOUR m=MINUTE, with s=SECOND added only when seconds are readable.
h=1 m=30
